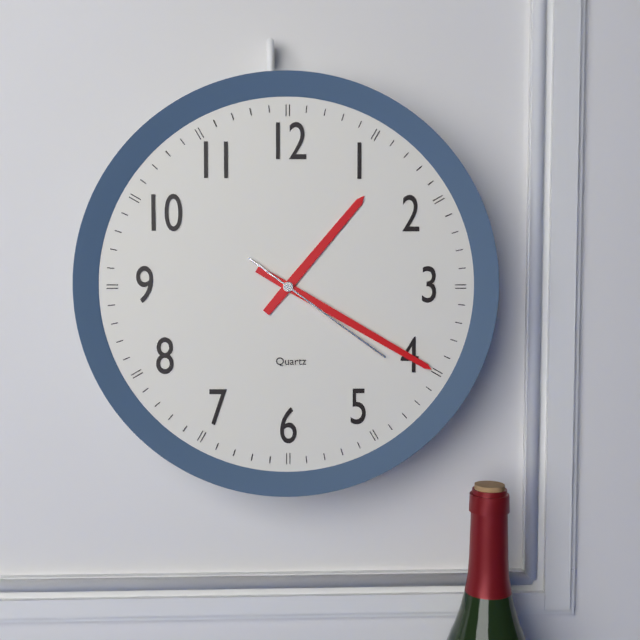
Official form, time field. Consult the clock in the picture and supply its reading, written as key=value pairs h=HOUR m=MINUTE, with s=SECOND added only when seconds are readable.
h=1 m=20 s=21
